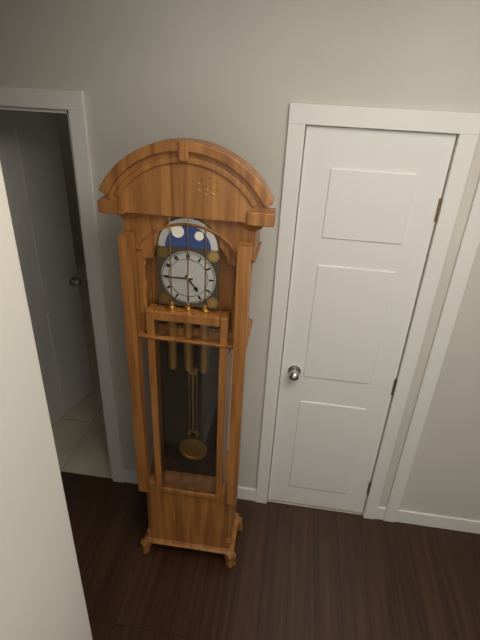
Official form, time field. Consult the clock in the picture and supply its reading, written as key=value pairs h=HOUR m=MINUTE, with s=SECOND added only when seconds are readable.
h=4 m=45
